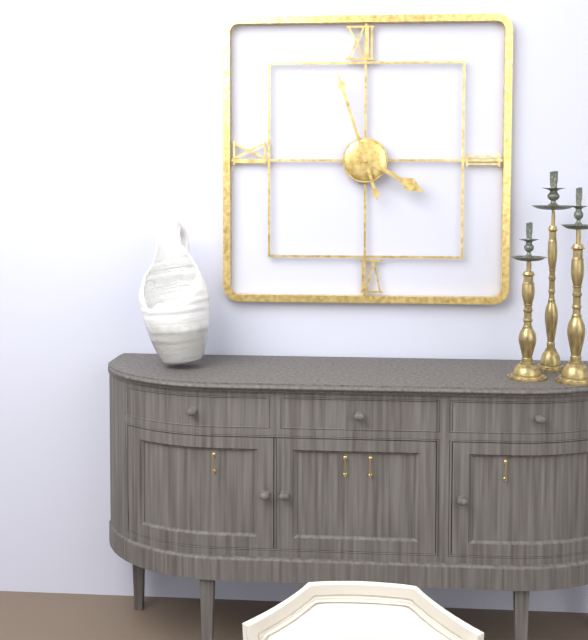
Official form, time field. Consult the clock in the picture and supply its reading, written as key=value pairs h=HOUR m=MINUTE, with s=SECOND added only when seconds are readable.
h=3 m=57
